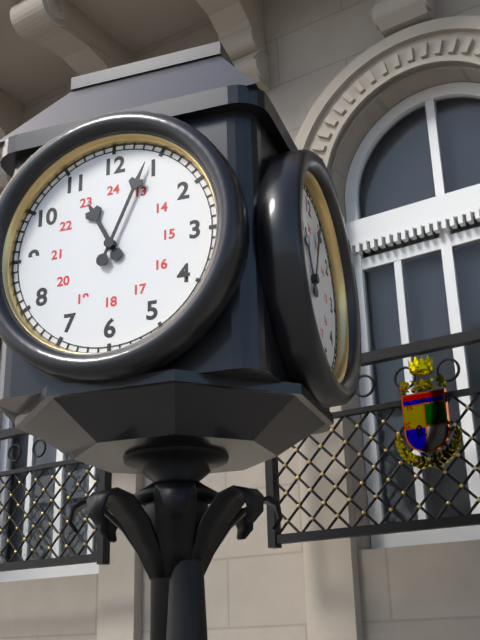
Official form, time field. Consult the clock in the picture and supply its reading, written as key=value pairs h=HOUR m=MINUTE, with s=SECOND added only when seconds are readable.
h=11 m=4
